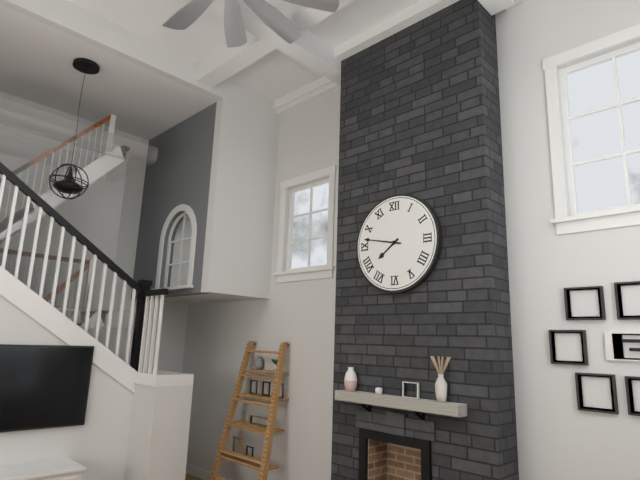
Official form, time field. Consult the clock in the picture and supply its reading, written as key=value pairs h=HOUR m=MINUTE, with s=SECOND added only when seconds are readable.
h=7 m=47
